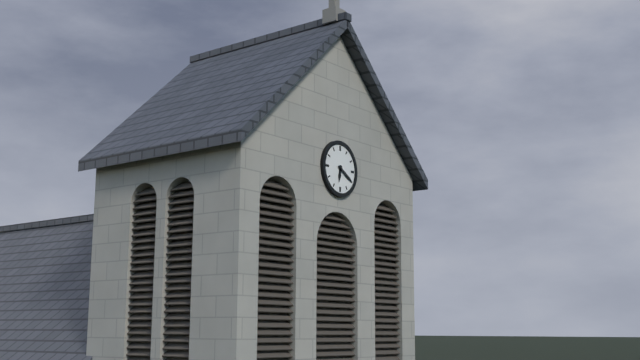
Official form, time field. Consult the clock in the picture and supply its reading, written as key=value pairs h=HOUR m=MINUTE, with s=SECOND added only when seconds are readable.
h=6 m=20
